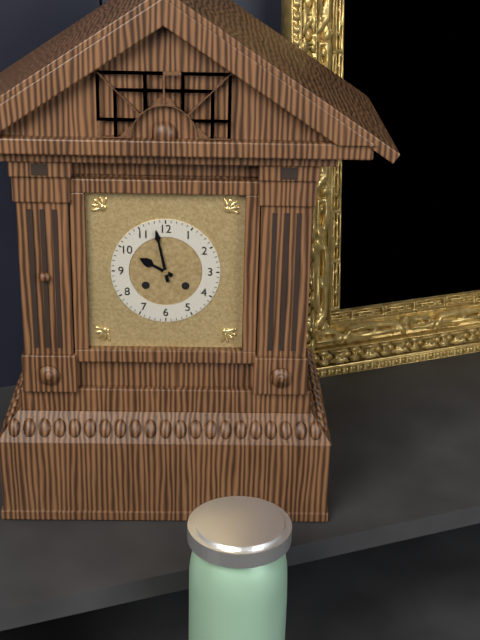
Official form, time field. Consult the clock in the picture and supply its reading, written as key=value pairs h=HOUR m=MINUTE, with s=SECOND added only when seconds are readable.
h=9 m=58
